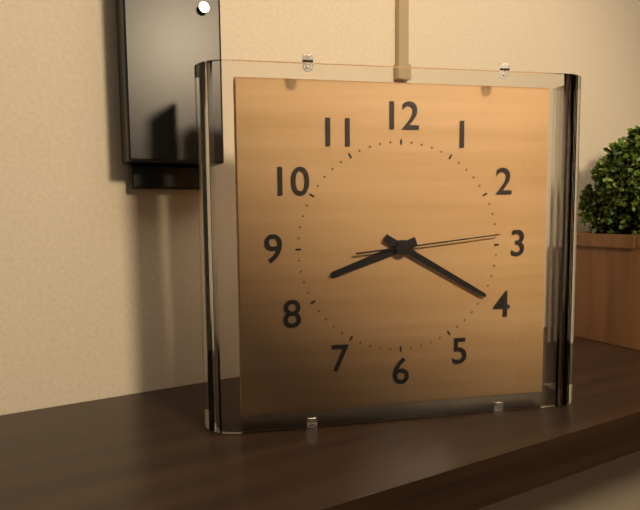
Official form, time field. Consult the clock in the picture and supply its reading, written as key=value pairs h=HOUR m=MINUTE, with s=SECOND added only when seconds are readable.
h=8 m=20 s=14
